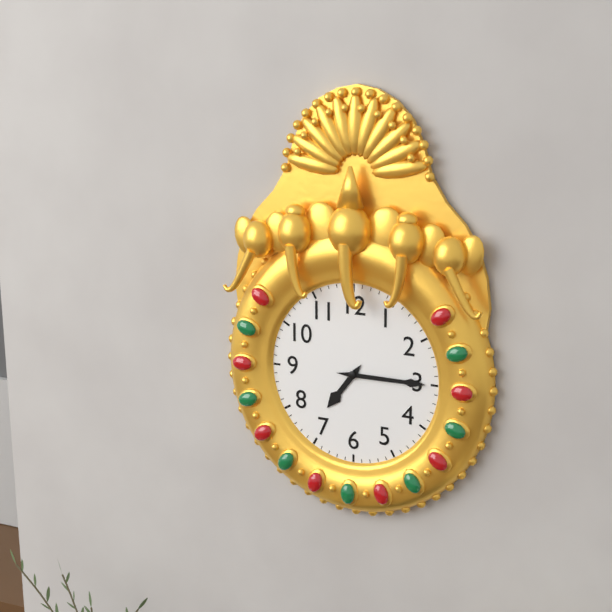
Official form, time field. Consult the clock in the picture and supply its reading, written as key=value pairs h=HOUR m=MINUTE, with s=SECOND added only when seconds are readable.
h=7 m=15
